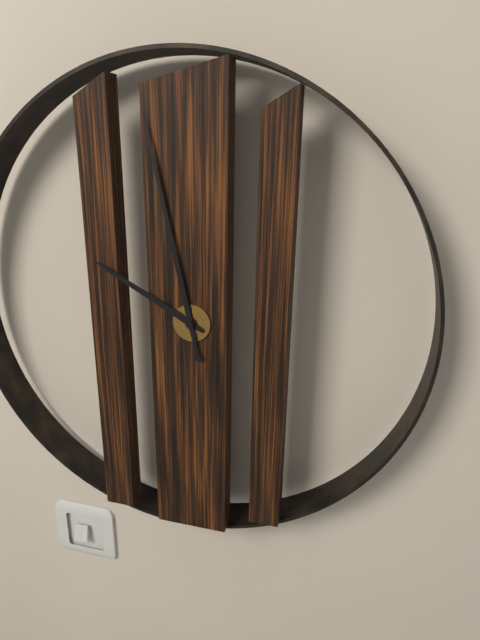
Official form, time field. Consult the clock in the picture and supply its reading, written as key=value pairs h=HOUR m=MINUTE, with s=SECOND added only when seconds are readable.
h=9 m=58
